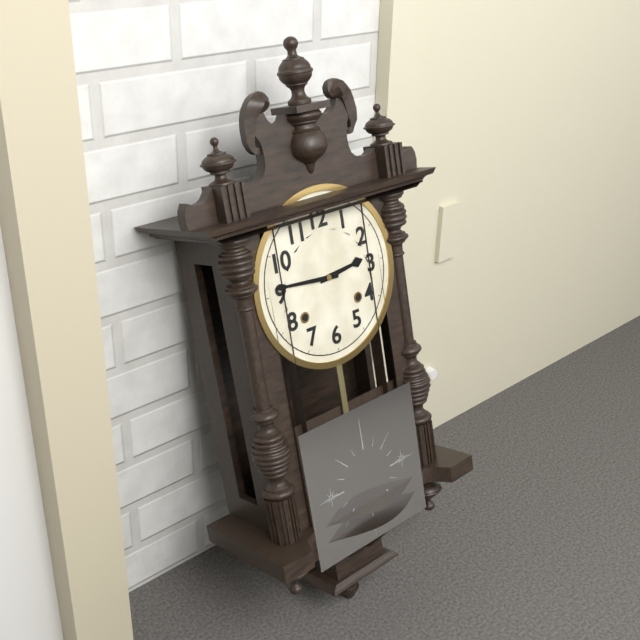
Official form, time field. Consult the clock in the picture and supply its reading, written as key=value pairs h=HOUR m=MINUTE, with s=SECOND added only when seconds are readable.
h=2 m=46
